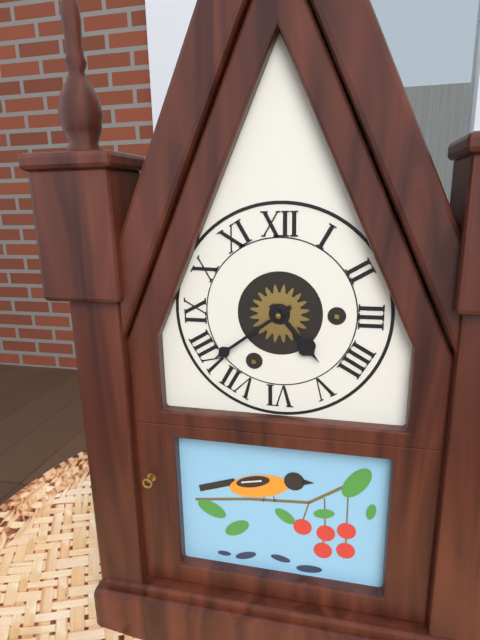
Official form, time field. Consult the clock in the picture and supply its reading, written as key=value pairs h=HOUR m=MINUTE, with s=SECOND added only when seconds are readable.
h=4 m=39
